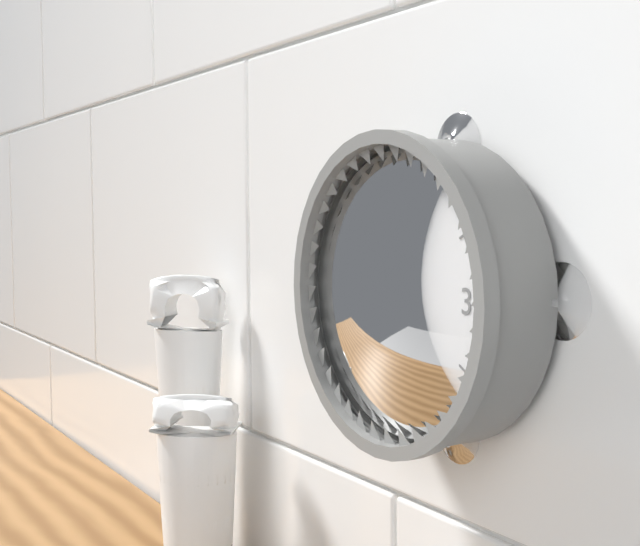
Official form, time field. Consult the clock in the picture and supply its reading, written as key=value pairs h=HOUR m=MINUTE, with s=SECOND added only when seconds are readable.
h=5 m=4
